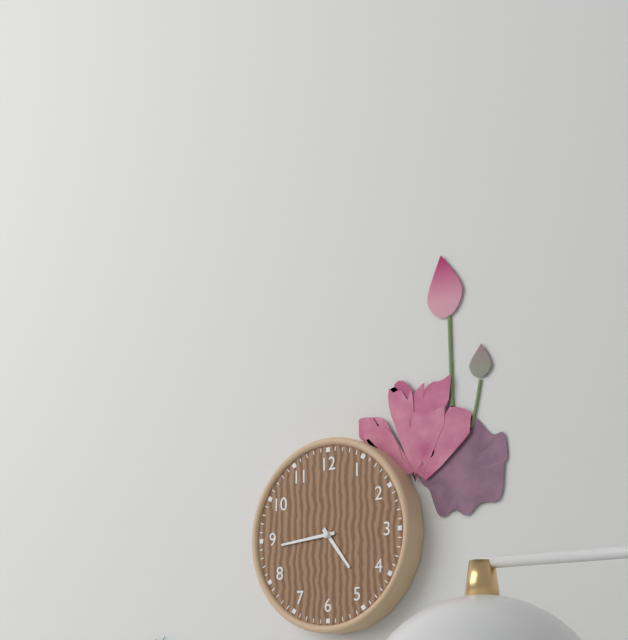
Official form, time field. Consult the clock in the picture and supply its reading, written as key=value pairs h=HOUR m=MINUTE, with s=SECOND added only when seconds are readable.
h=4 m=44
